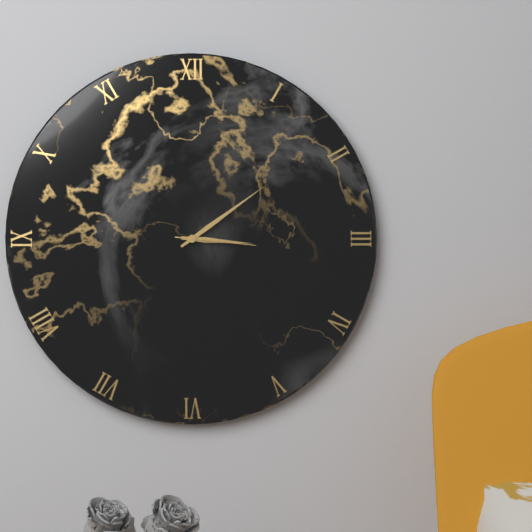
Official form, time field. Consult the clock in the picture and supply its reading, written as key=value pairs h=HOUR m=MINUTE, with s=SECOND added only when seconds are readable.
h=3 m=9 s=16
